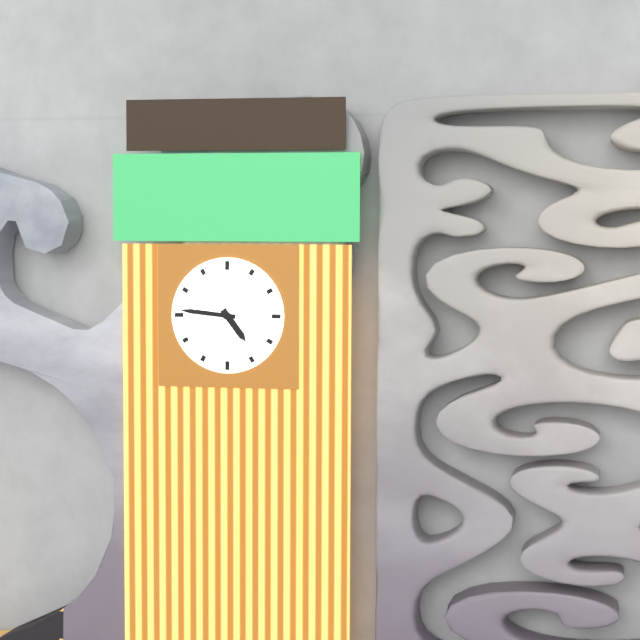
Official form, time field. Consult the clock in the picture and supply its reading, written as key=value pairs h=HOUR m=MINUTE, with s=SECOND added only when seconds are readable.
h=4 m=46
